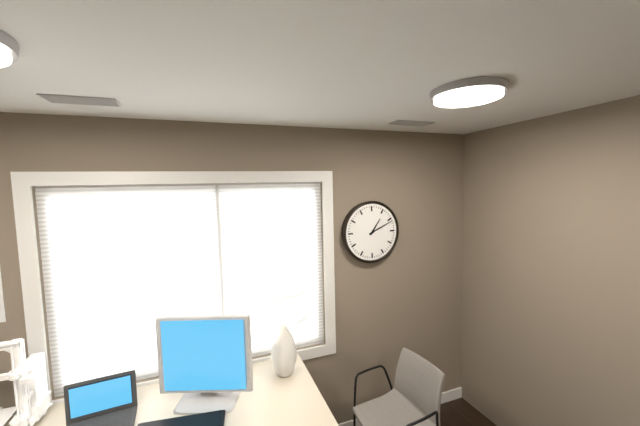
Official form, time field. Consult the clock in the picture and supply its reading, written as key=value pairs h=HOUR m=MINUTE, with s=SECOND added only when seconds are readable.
h=1 m=11
